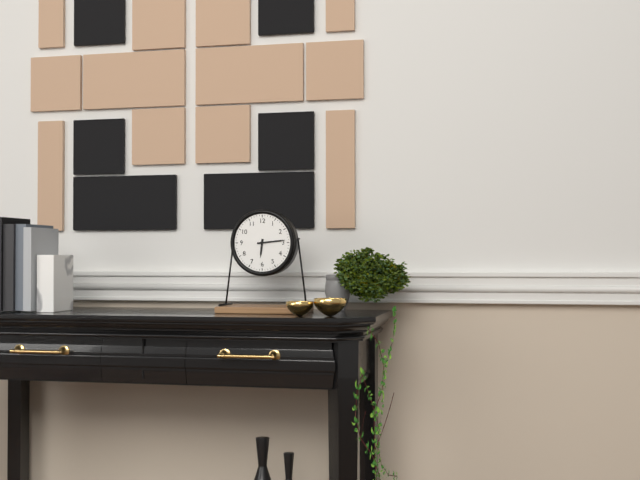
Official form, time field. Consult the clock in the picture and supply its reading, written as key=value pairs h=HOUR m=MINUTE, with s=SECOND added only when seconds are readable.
h=6 m=14
